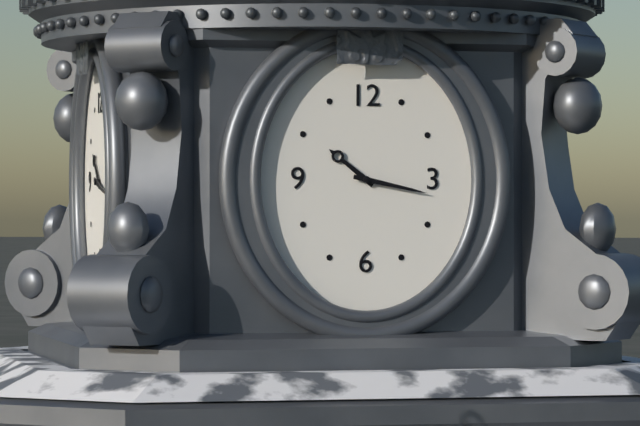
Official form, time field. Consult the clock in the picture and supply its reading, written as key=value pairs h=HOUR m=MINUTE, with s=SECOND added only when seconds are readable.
h=10 m=17
